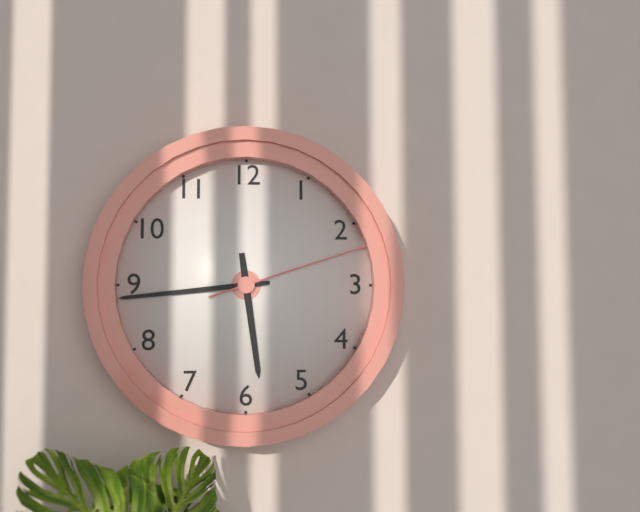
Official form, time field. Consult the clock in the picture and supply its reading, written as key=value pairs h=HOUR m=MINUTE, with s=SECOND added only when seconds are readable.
h=5 m=44 s=12
